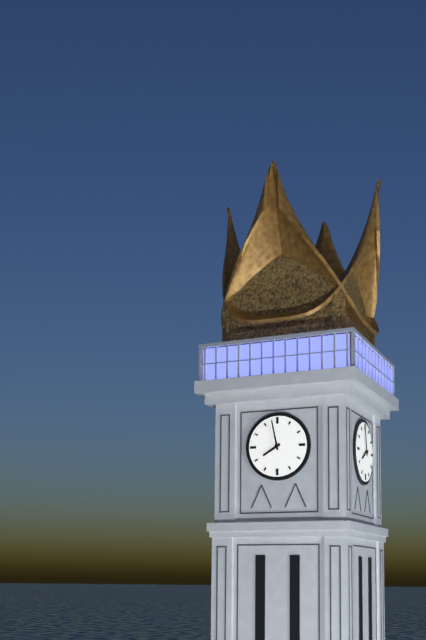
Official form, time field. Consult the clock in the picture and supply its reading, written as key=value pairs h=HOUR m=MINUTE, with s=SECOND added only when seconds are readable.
h=7 m=58
